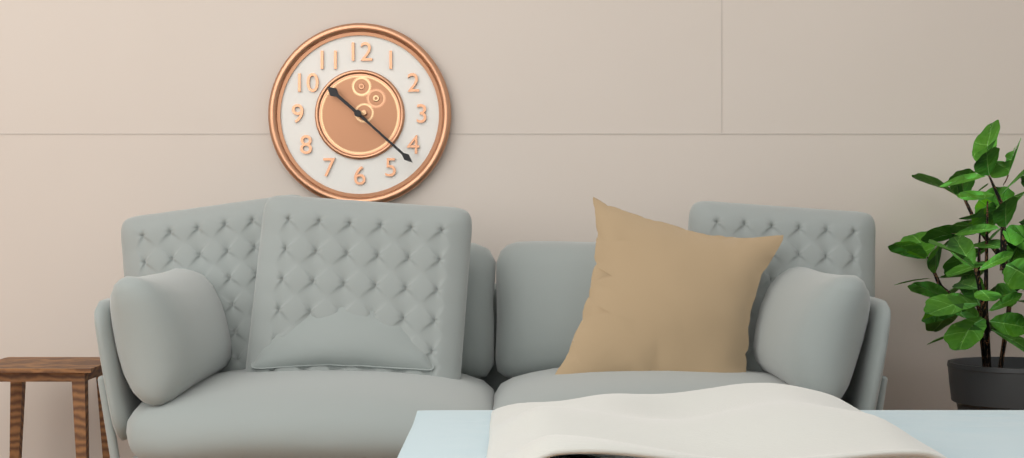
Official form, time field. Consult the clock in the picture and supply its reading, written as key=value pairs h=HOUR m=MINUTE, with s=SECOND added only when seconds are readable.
h=10 m=22
